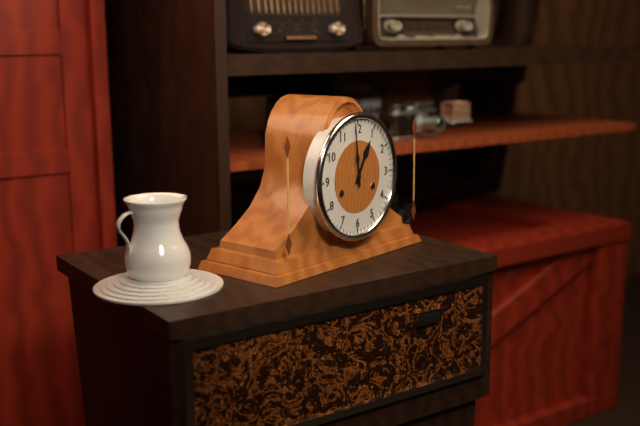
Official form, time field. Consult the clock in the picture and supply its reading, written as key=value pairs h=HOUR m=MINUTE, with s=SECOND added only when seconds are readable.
h=12 m=59
